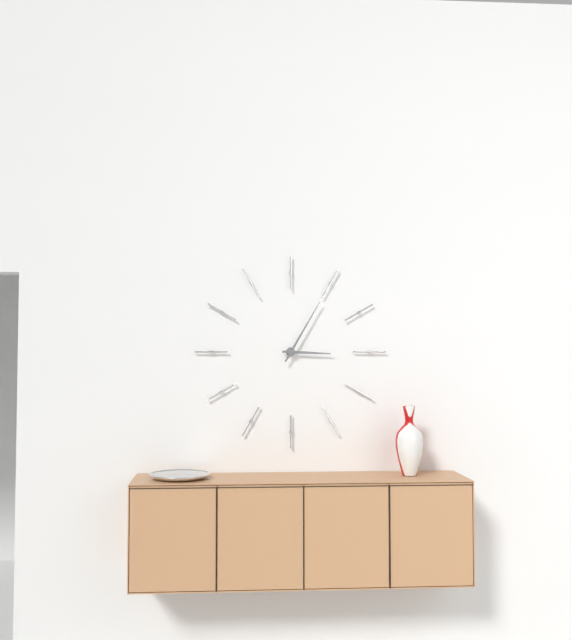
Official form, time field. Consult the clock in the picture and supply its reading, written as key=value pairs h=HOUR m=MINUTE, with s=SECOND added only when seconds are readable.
h=3 m=5
